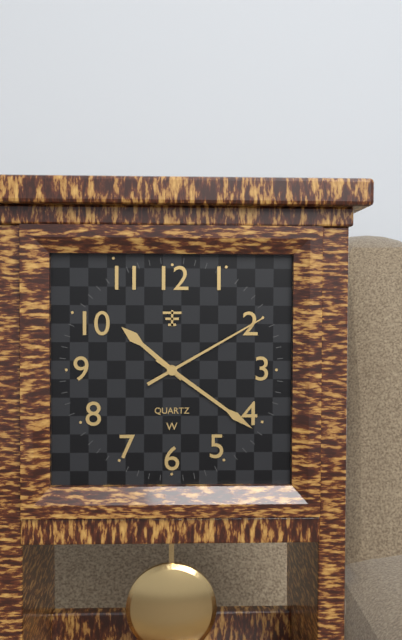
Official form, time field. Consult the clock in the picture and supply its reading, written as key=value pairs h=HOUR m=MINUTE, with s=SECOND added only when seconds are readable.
h=10 m=21 s=10
